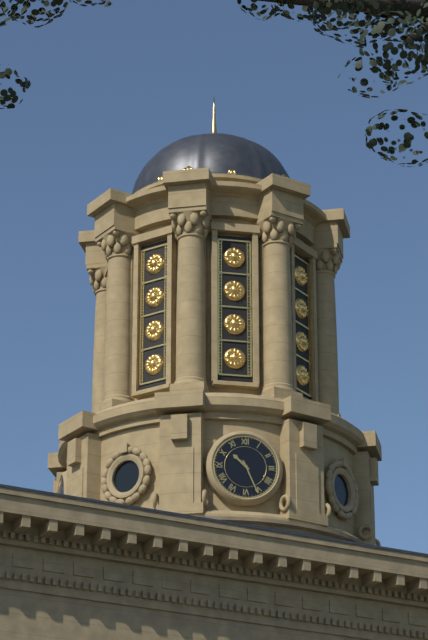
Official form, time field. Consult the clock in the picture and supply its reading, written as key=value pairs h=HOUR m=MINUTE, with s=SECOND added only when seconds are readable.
h=10 m=26
